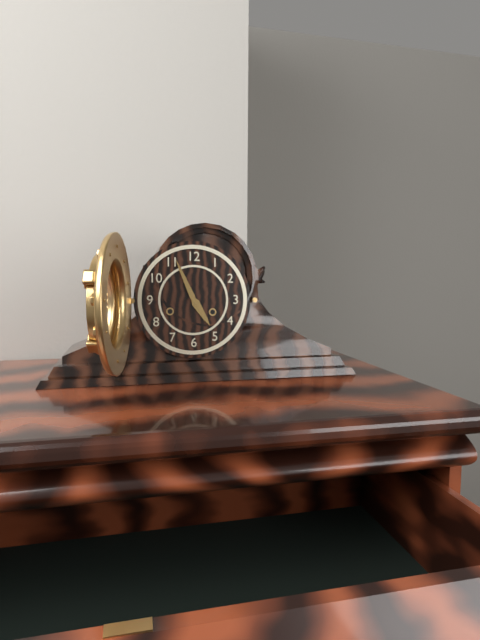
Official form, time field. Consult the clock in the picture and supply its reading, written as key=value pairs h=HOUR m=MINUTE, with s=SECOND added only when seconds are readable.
h=4 m=56
